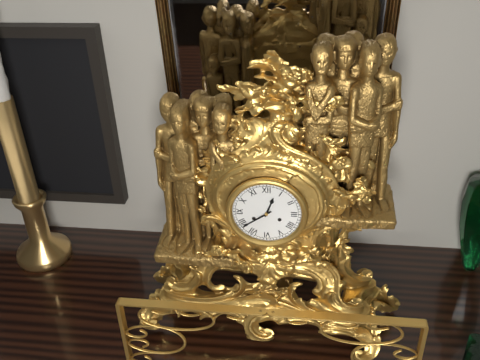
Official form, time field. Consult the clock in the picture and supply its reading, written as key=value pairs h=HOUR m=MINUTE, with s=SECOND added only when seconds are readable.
h=12 m=39
